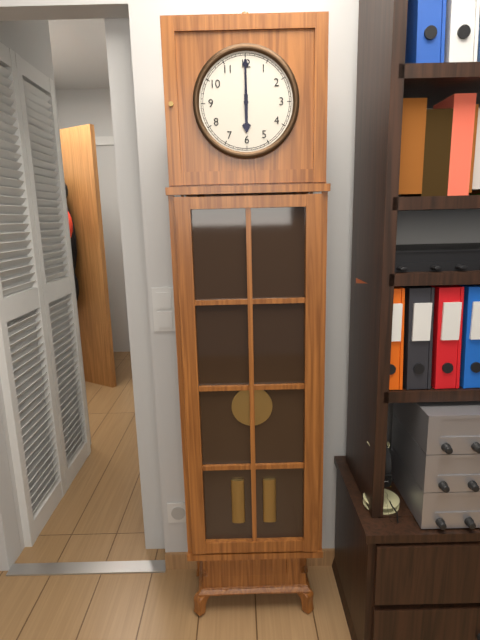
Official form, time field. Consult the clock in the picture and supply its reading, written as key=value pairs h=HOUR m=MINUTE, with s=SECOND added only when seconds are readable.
h=6 m=0
